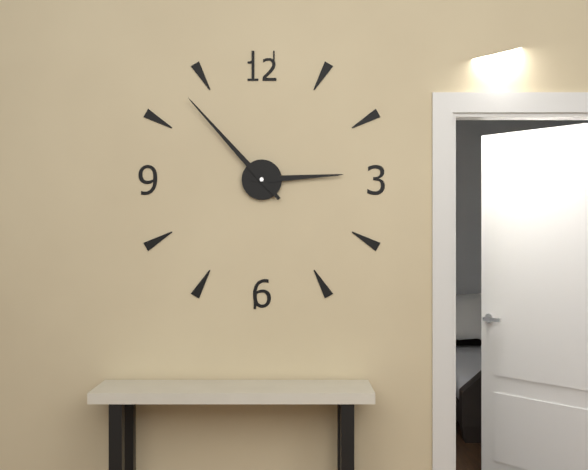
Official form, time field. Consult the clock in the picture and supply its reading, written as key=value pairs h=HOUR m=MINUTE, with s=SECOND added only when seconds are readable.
h=2 m=53
